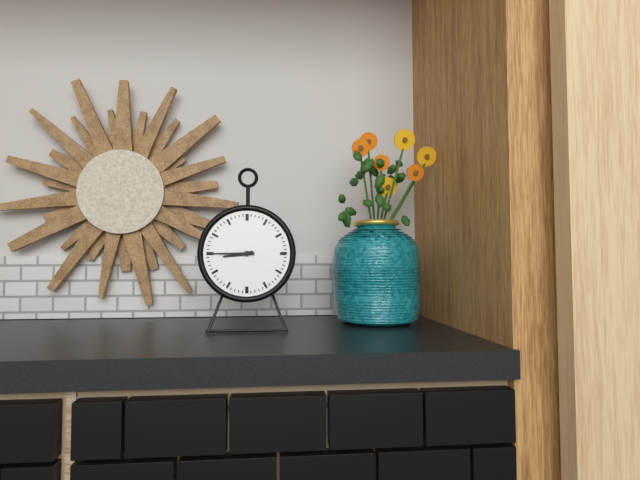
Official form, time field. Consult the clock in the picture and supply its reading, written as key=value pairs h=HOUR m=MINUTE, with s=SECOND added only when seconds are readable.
h=8 m=45
